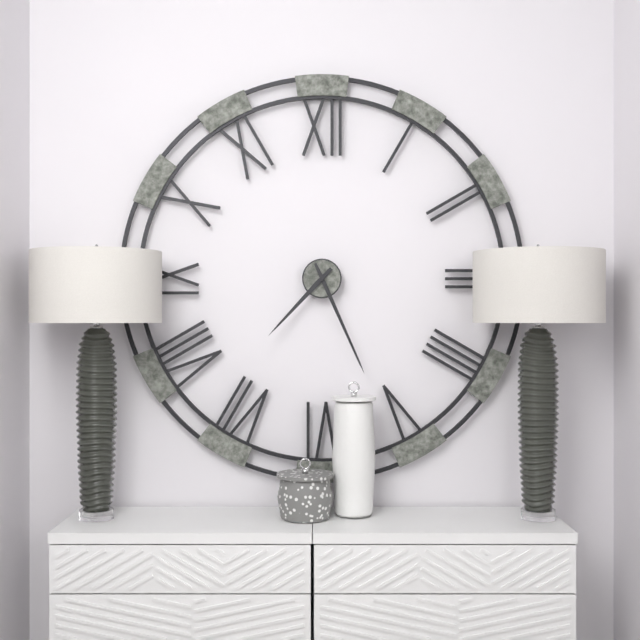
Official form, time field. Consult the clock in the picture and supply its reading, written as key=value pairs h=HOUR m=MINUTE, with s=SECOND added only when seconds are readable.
h=7 m=26
